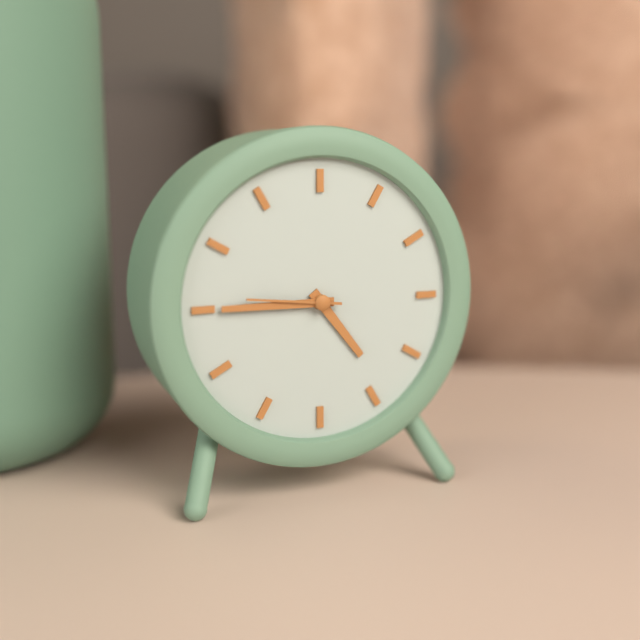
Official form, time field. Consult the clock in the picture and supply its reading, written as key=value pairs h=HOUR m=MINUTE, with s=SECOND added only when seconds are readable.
h=4 m=45 s=46
